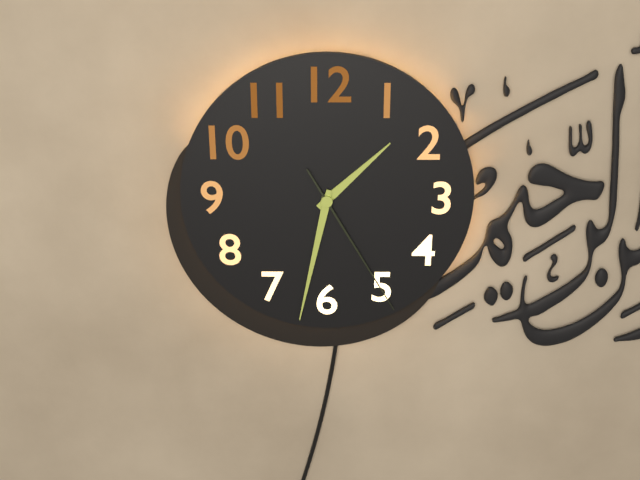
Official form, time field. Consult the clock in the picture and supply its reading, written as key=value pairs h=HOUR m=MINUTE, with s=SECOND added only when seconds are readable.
h=1 m=32 s=25
